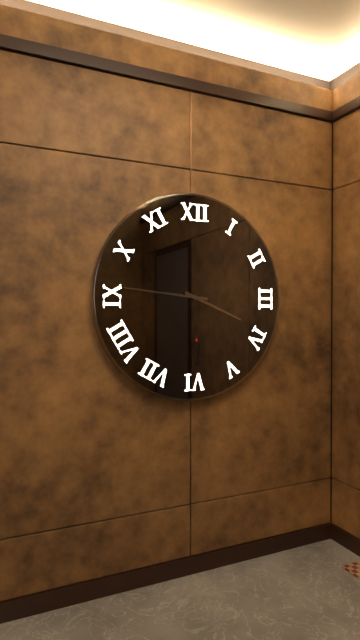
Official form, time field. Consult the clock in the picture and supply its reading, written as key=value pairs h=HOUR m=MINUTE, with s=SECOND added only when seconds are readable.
h=3 m=46
